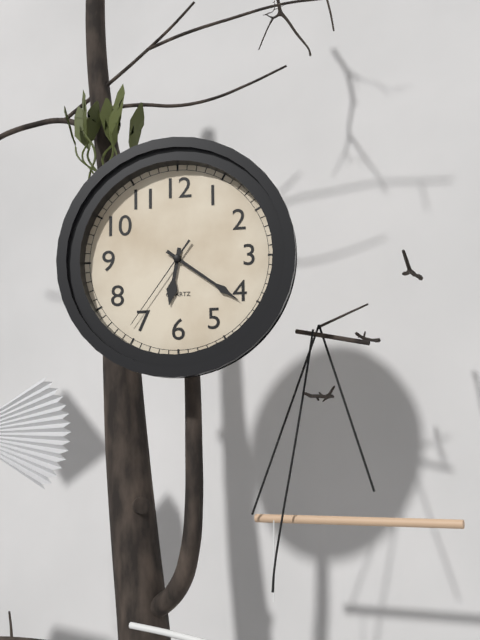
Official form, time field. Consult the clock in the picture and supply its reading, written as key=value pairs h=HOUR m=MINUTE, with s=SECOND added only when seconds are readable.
h=6 m=21 s=36
